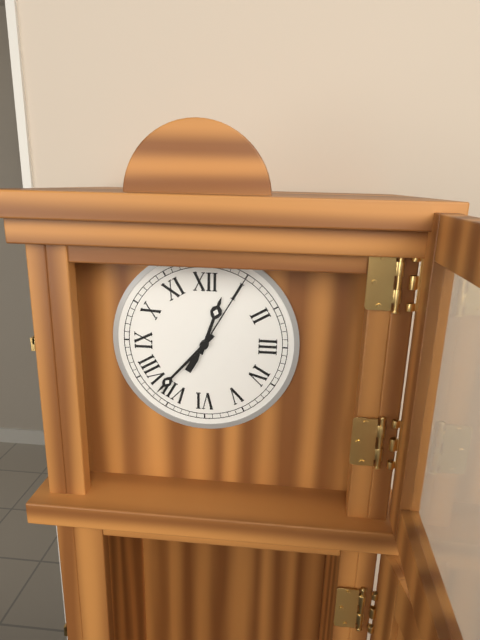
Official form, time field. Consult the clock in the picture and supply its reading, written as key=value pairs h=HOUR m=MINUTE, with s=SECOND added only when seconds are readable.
h=12 m=37 s=5
